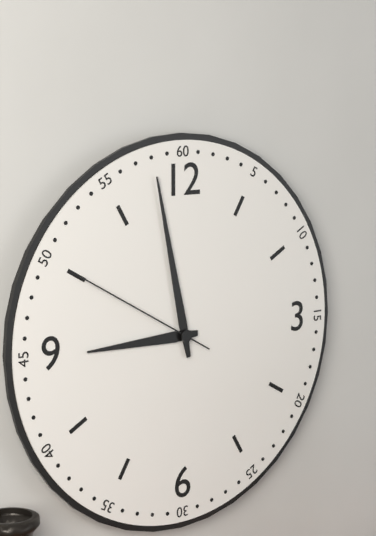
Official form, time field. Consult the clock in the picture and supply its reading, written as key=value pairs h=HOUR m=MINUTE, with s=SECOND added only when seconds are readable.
h=8 m=58 s=50
